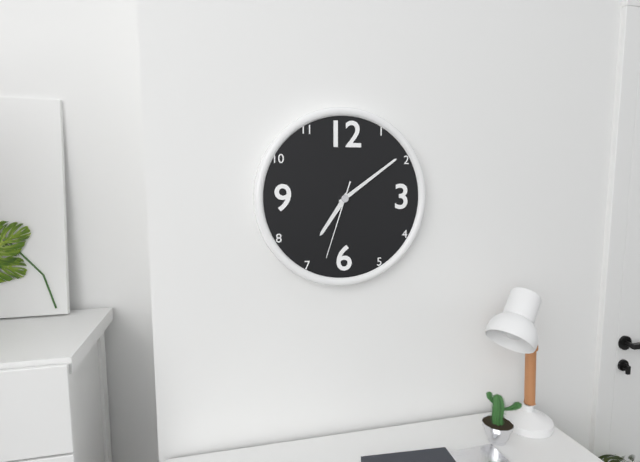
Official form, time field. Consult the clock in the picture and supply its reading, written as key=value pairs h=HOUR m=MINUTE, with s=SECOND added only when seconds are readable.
h=7 m=9 s=33
